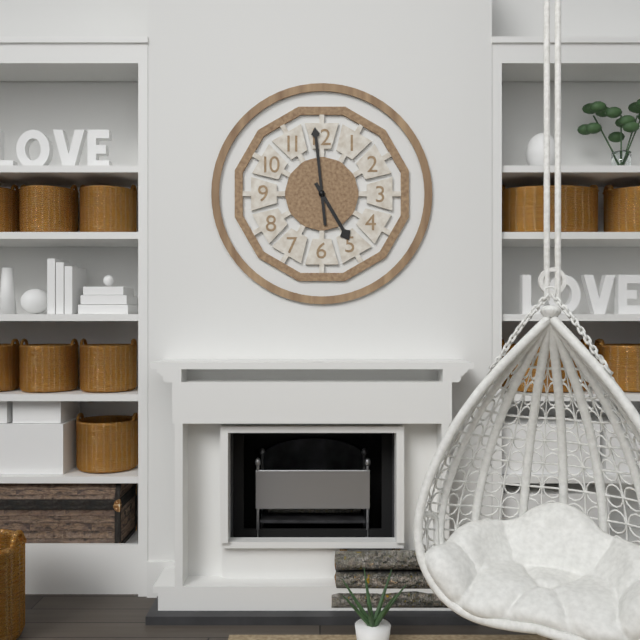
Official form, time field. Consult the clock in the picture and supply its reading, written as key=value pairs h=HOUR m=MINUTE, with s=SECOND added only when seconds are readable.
h=4 m=59
